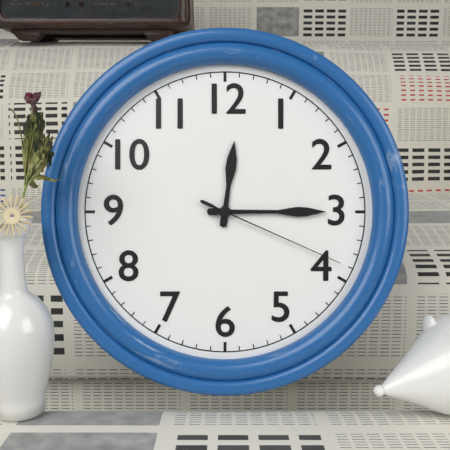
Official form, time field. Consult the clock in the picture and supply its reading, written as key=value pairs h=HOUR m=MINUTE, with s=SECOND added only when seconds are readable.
h=12 m=15 s=19
